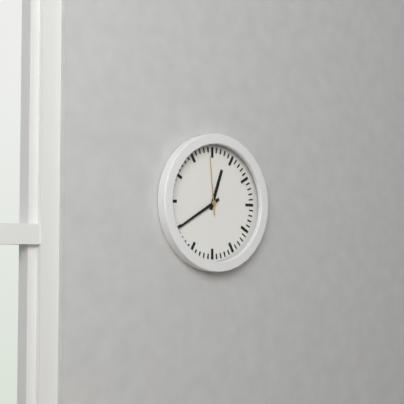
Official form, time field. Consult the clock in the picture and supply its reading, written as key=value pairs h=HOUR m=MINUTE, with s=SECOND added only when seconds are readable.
h=12 m=40 s=59
